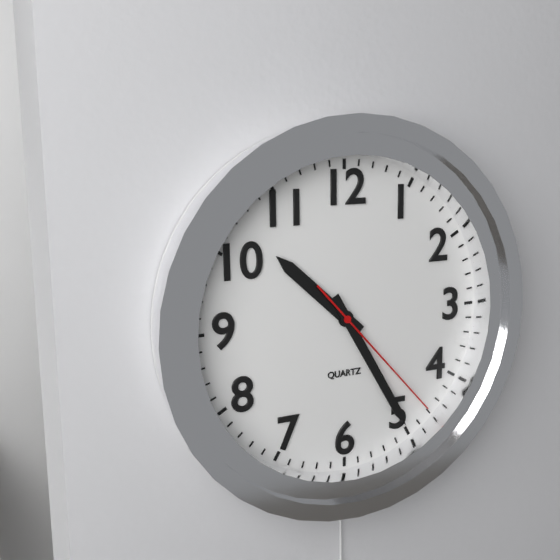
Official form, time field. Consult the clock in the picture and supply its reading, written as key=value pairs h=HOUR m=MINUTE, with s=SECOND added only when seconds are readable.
h=10 m=25 s=23
